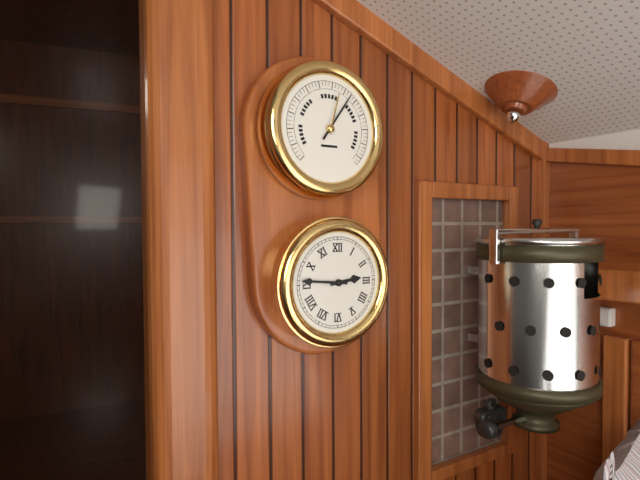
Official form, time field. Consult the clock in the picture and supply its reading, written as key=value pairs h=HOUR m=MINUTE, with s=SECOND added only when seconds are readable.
h=2 m=46
